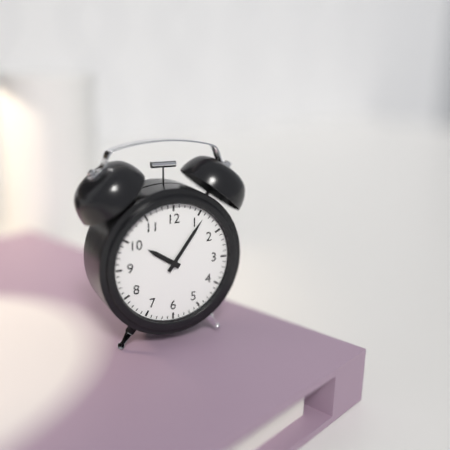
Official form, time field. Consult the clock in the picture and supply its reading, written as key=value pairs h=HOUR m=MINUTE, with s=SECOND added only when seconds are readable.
h=10 m=6
